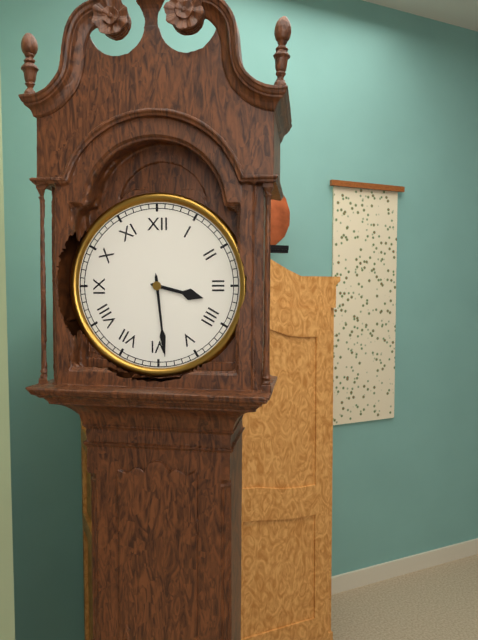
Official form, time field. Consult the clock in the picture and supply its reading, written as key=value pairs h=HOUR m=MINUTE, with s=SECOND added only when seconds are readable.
h=3 m=29
